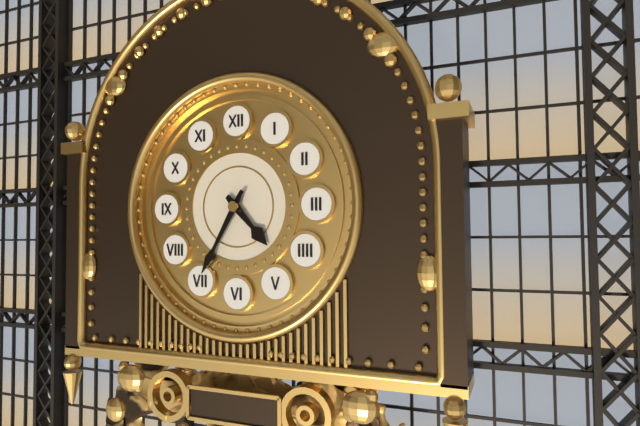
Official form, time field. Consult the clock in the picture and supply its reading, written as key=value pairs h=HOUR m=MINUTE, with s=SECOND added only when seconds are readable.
h=4 m=35
